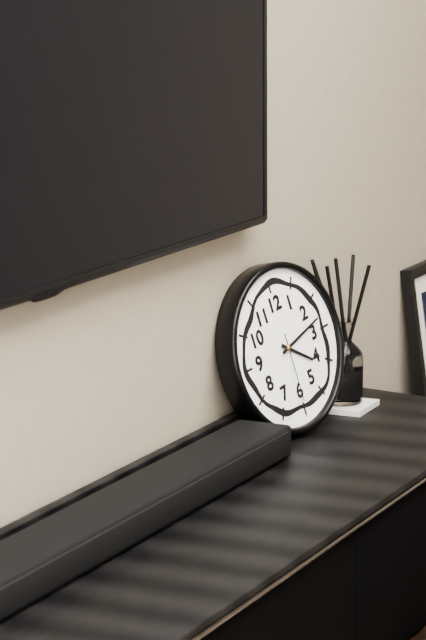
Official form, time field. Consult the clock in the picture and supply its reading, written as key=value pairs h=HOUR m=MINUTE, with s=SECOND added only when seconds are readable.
h=4 m=13 s=30
